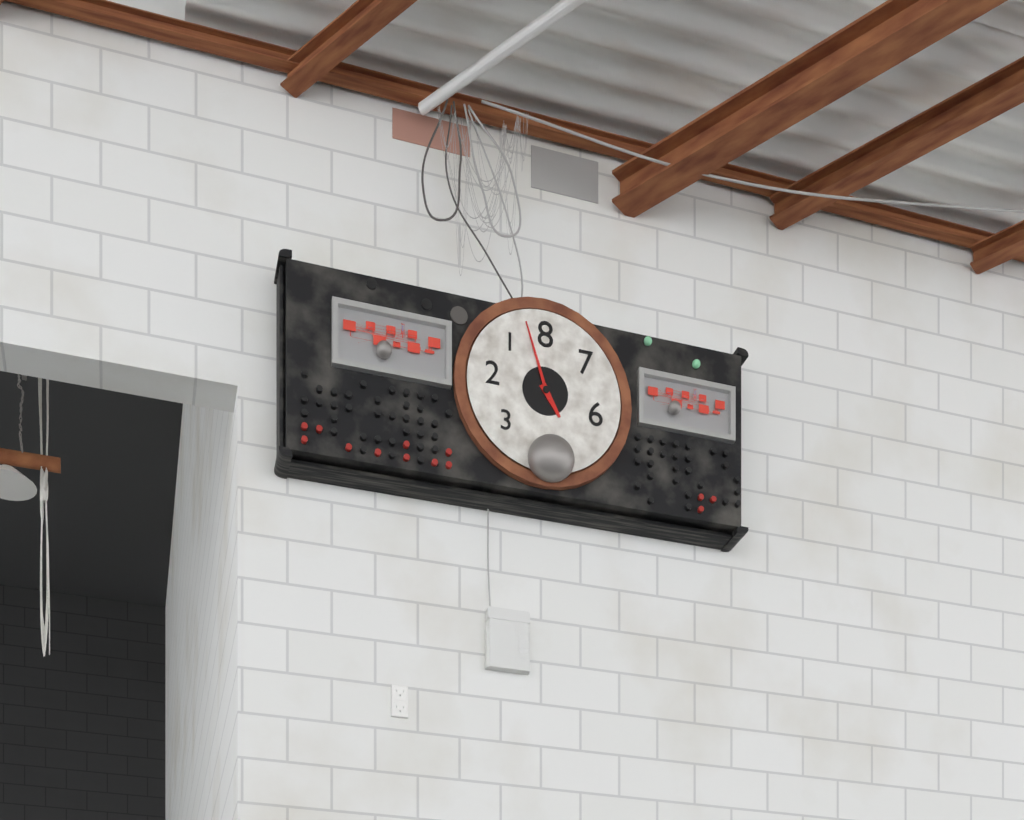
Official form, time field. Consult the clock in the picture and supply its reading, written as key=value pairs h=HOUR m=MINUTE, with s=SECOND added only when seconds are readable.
h=4 m=57
